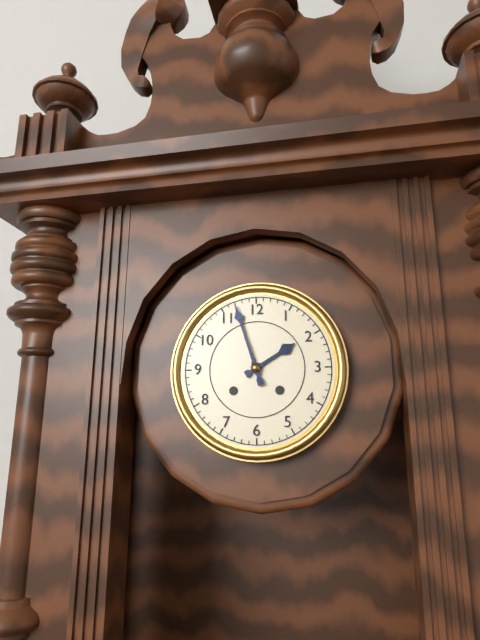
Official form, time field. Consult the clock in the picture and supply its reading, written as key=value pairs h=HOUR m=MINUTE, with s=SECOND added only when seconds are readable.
h=1 m=57
